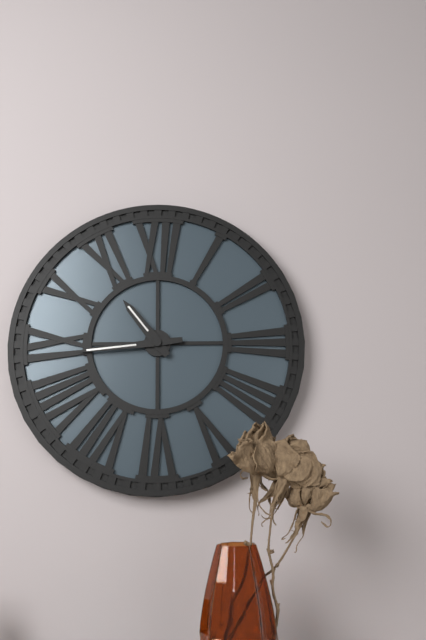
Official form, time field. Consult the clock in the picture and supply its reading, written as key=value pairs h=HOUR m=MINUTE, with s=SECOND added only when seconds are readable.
h=10 m=44
